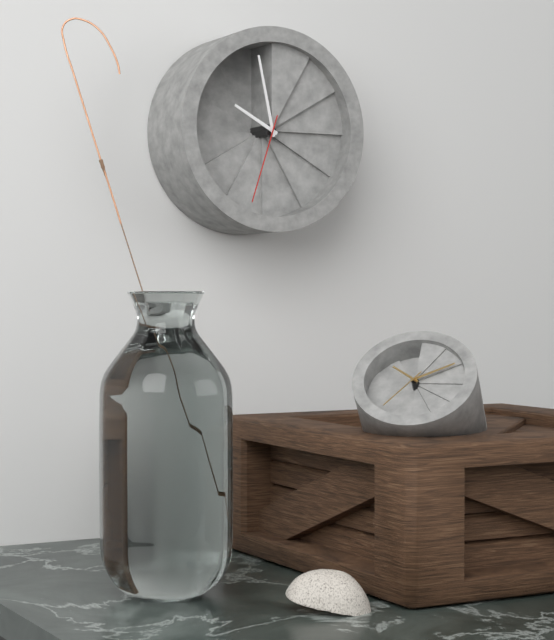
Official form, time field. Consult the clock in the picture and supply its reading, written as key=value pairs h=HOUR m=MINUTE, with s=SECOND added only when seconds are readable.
h=9 m=58 s=33
